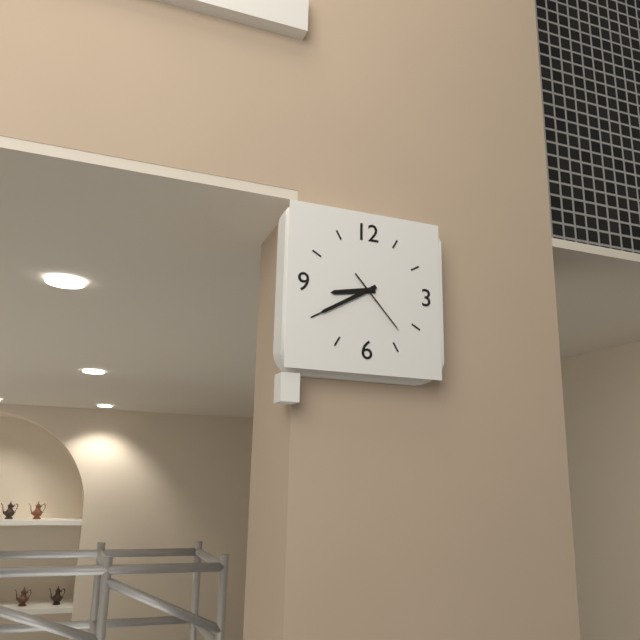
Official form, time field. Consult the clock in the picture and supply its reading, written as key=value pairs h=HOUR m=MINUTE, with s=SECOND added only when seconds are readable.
h=8 m=40 s=23
